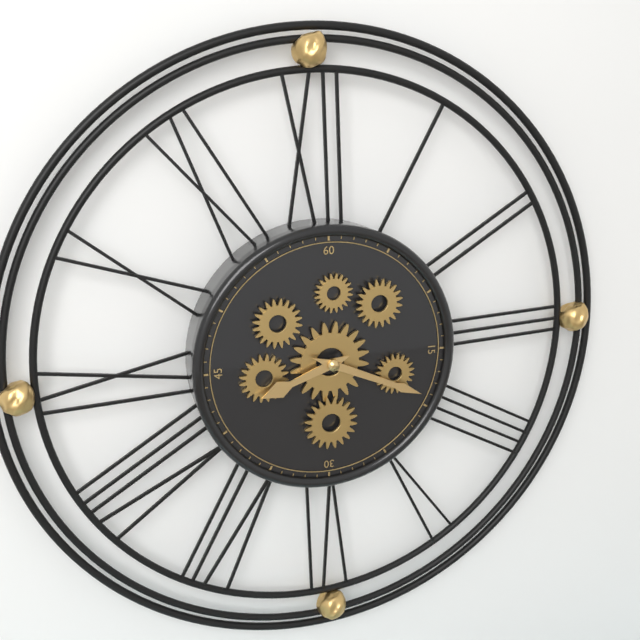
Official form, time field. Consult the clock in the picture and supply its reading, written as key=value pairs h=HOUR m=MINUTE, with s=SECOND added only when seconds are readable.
h=8 m=19
